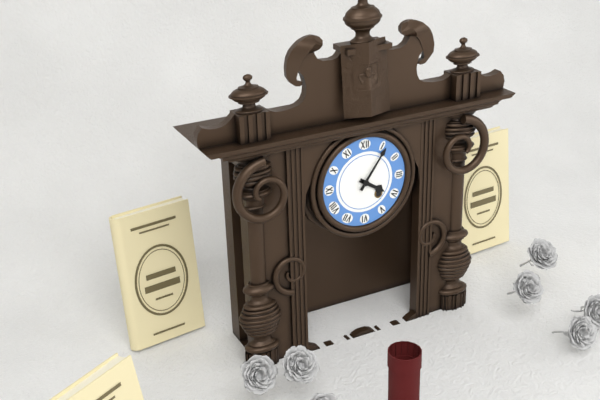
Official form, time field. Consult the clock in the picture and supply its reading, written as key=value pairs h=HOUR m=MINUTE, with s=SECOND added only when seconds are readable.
h=4 m=6
